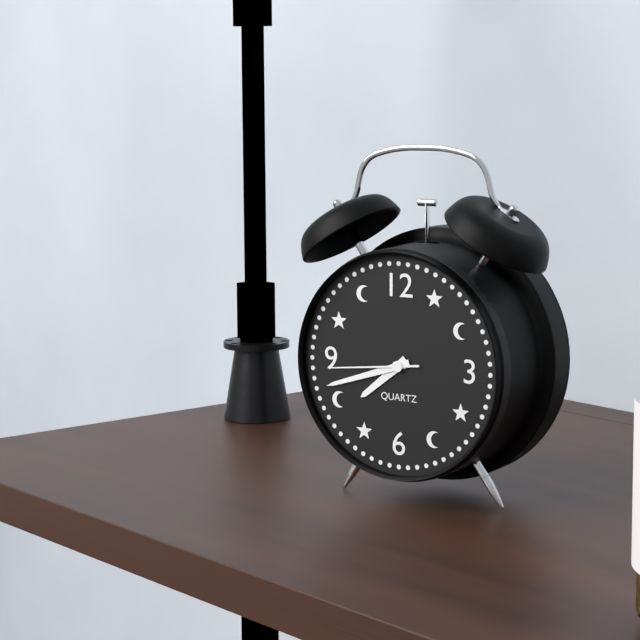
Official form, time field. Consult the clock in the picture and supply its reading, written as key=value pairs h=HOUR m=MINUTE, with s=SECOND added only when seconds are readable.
h=7 m=42 s=44
